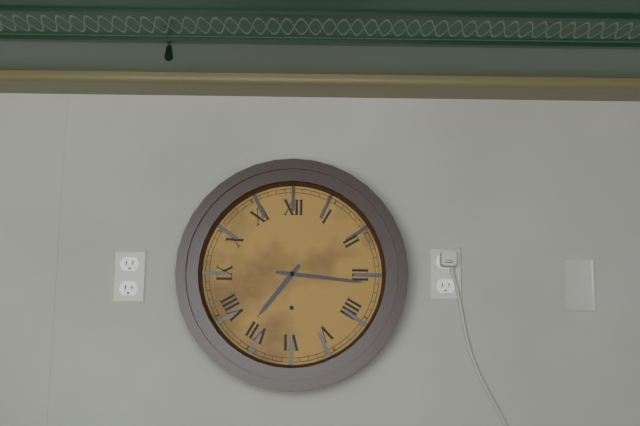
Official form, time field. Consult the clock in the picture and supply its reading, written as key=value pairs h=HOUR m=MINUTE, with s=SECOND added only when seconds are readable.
h=7 m=16
